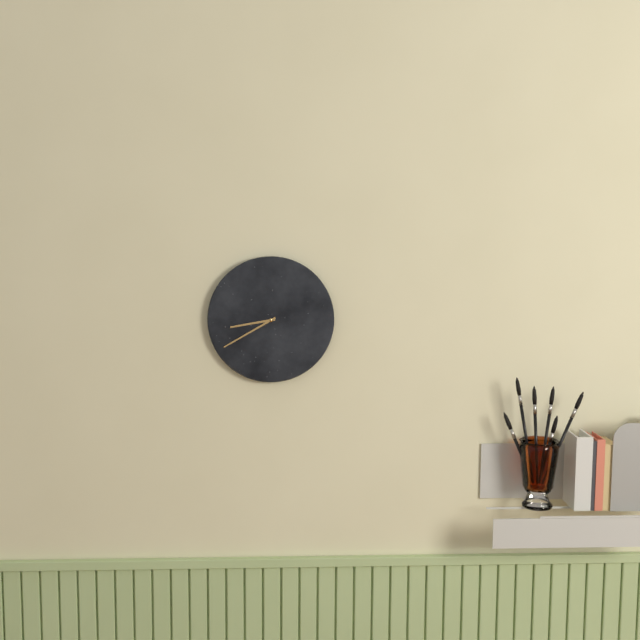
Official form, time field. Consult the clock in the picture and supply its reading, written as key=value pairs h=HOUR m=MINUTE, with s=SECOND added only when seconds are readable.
h=8 m=40
